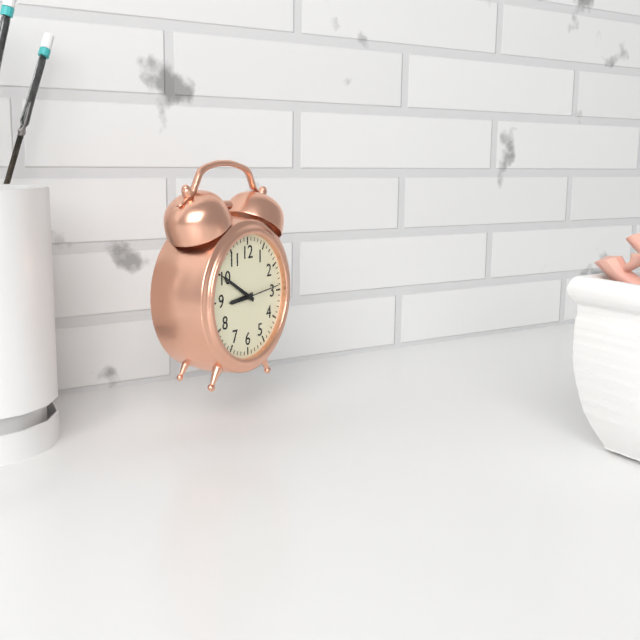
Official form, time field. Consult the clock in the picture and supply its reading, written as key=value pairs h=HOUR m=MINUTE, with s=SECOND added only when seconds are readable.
h=8 m=50
